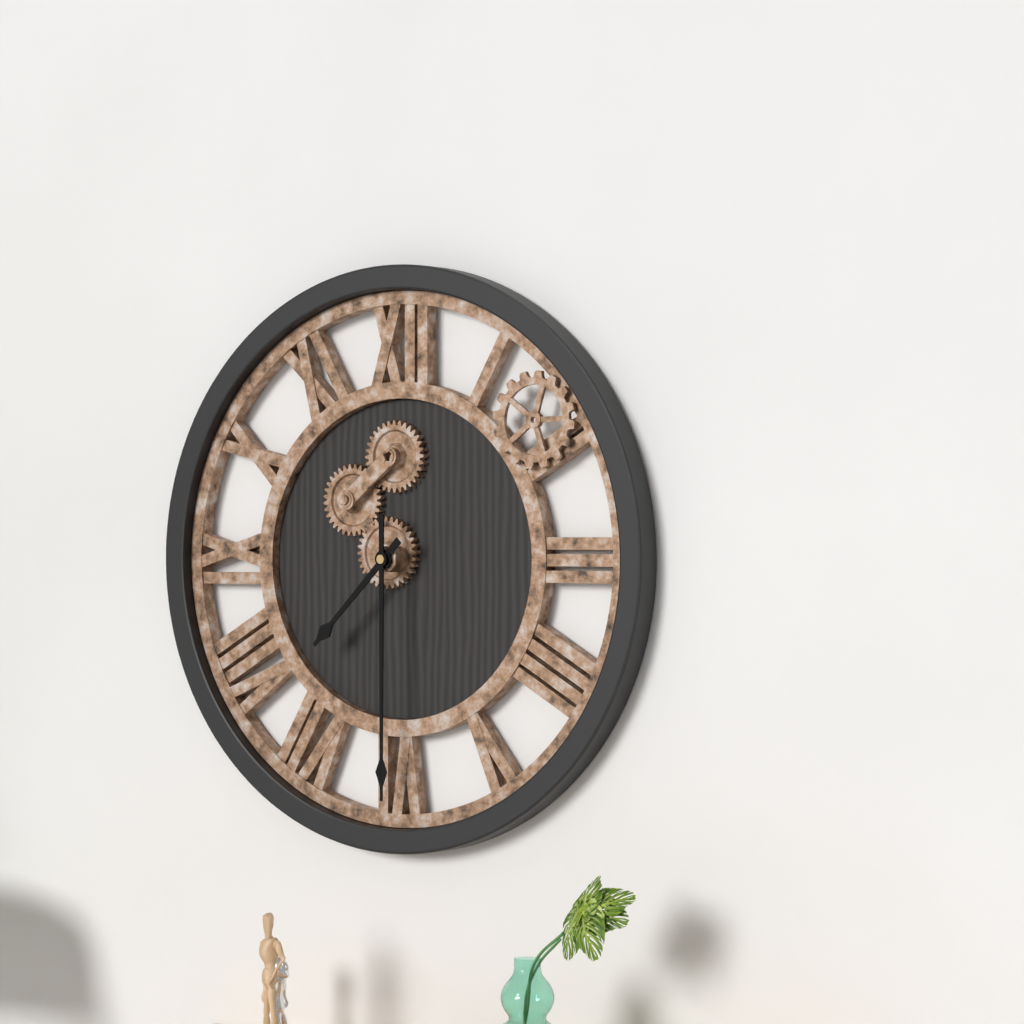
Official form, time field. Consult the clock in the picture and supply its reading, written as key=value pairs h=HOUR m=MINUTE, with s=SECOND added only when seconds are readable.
h=7 m=30
